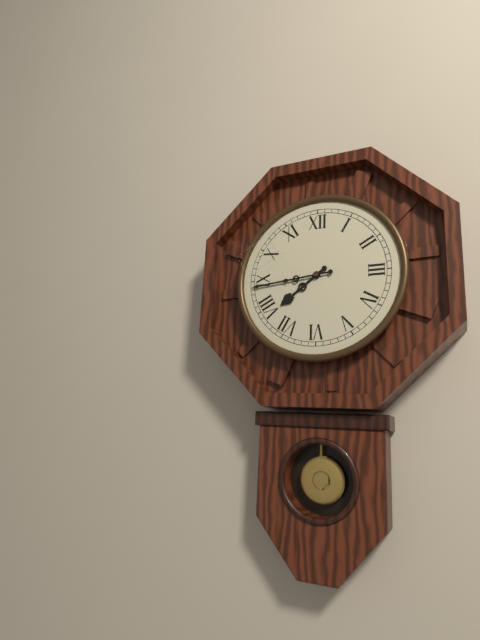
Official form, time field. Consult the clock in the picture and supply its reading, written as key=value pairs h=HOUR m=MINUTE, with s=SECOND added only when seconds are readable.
h=7 m=44
